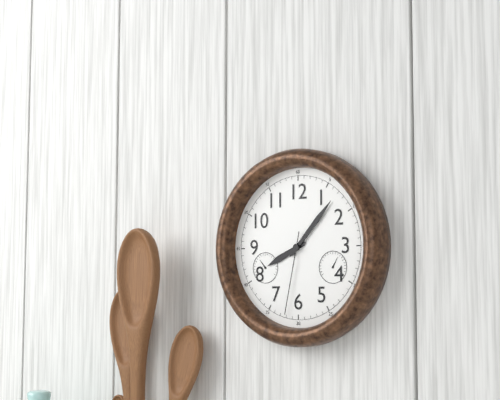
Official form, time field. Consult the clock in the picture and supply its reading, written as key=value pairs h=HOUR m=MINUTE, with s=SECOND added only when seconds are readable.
h=8 m=7 s=32
